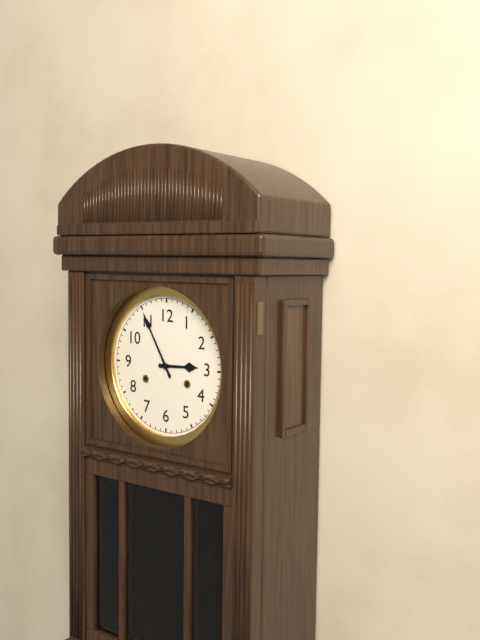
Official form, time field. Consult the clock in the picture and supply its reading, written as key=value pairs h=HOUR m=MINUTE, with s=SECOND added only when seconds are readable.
h=2 m=55
